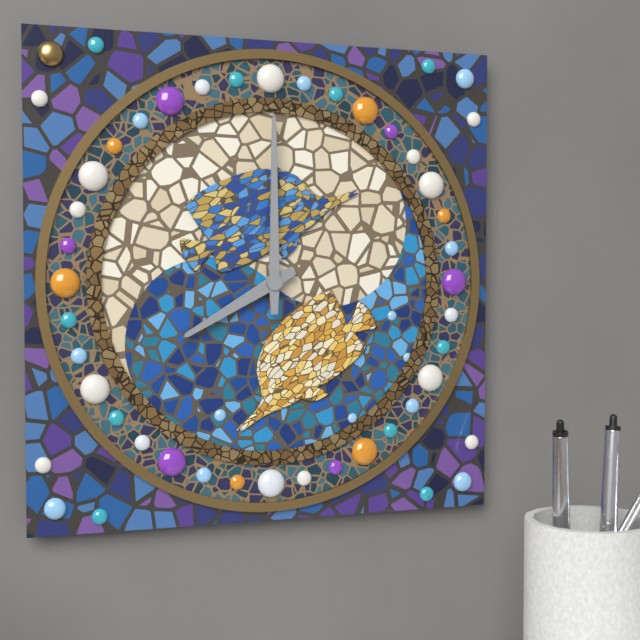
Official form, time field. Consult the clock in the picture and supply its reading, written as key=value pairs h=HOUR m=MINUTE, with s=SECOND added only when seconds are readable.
h=8 m=0
